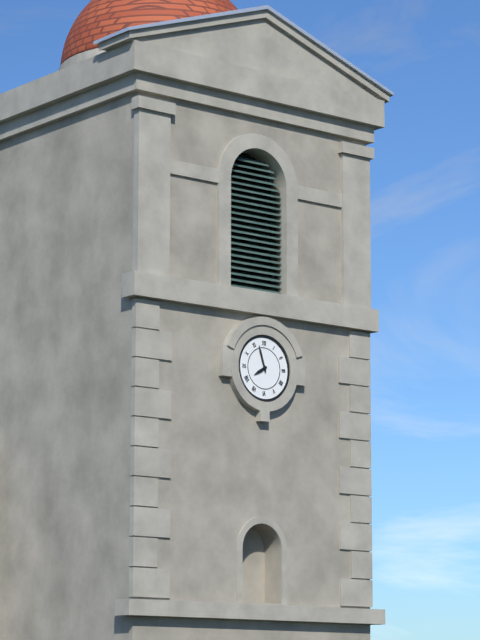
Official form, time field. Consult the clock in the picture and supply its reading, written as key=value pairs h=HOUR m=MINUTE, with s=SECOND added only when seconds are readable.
h=7 m=57
